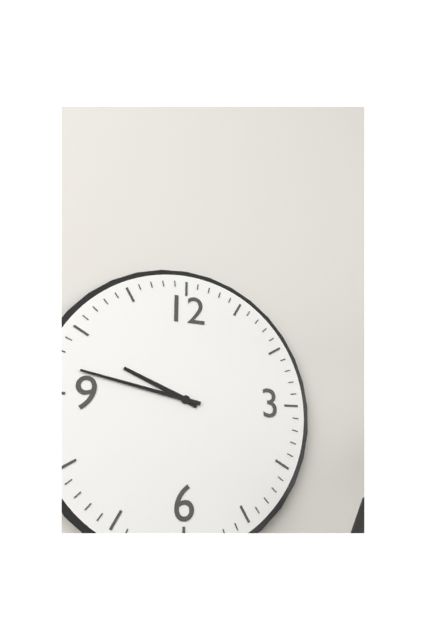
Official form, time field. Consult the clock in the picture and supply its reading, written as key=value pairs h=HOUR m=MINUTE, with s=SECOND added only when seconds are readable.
h=9 m=47
